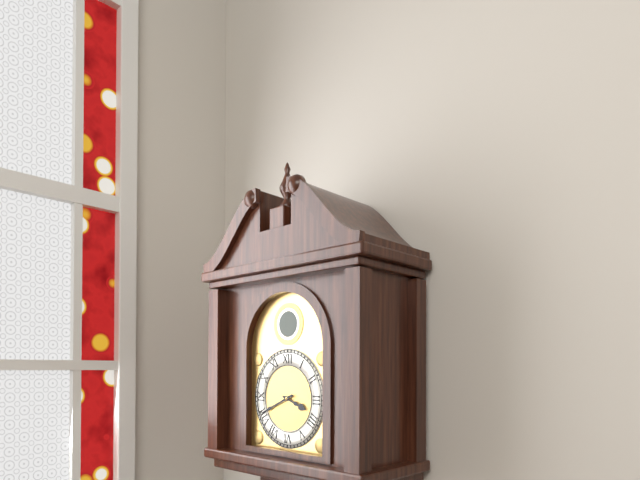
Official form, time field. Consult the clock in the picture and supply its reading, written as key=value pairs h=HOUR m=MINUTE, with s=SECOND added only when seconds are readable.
h=3 m=41
